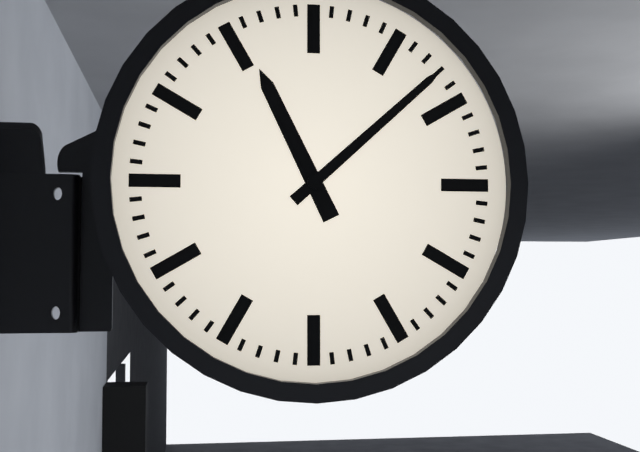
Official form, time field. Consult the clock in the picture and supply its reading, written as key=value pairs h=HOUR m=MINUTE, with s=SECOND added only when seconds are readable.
h=11 m=8
